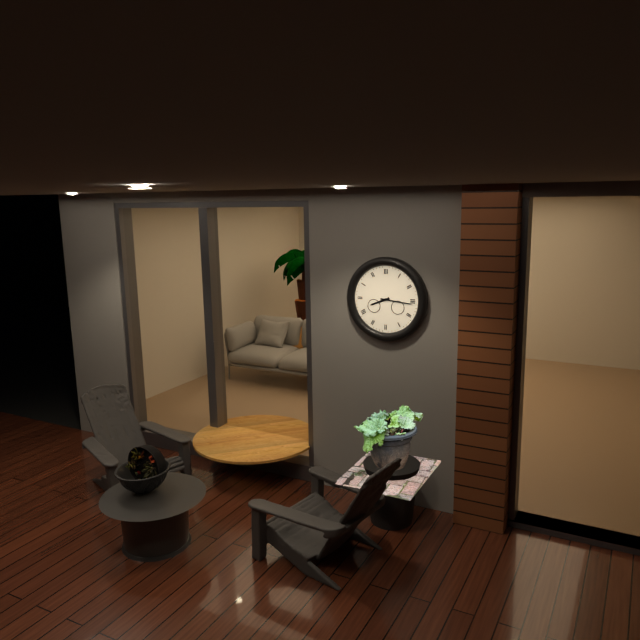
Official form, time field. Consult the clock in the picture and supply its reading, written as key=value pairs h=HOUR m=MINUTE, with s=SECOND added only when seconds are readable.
h=8 m=16
